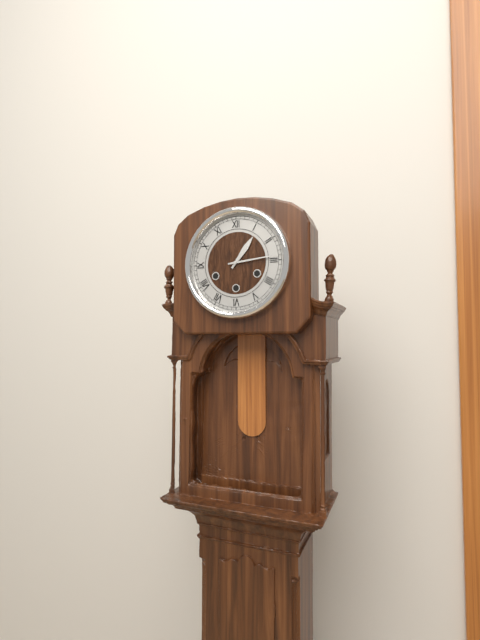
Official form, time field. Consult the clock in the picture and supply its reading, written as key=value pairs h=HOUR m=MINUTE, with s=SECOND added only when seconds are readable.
h=1 m=14
